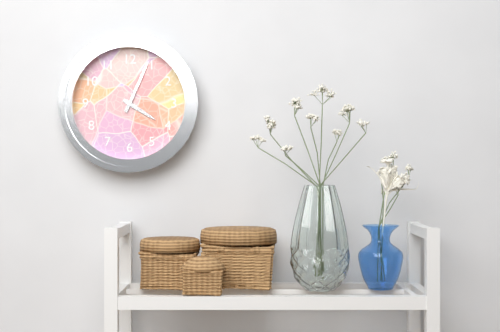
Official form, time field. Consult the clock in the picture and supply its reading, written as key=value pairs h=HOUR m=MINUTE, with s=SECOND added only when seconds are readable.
h=4 m=4
